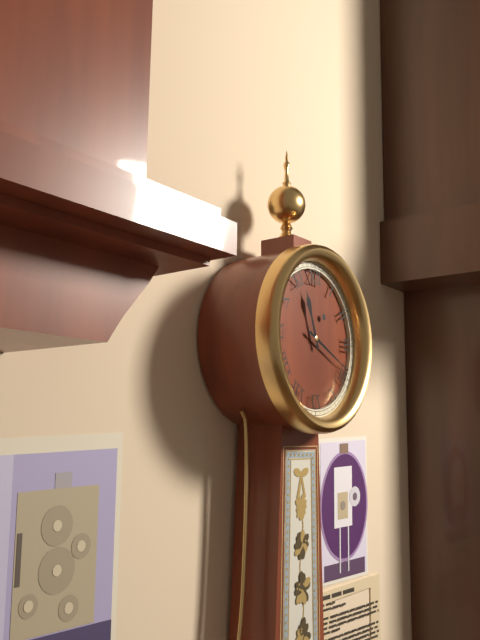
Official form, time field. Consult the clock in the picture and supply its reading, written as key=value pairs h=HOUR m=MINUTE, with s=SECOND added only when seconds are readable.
h=11 m=19
